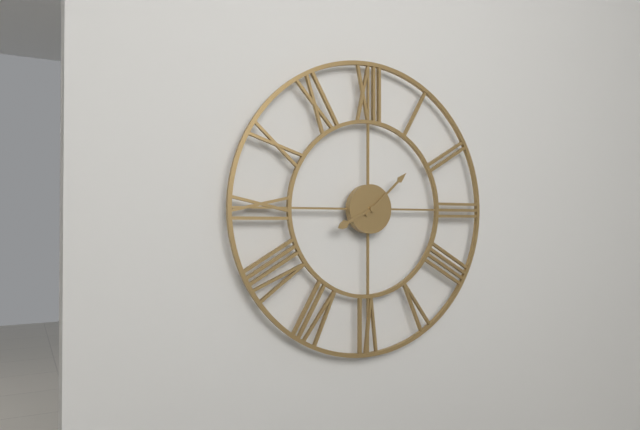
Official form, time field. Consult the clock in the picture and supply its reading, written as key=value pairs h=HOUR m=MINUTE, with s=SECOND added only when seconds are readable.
h=8 m=8
